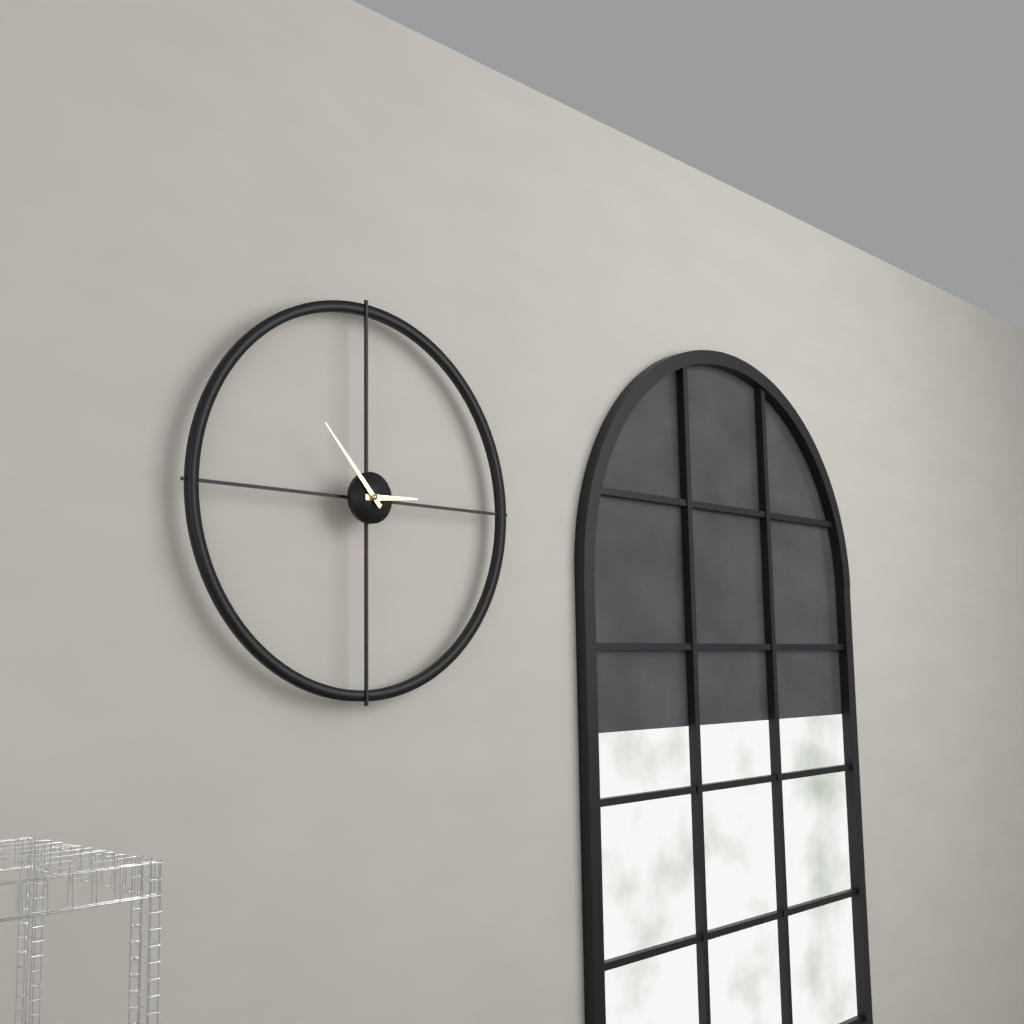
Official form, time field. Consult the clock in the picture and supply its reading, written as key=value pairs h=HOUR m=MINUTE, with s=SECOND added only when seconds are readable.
h=2 m=53
